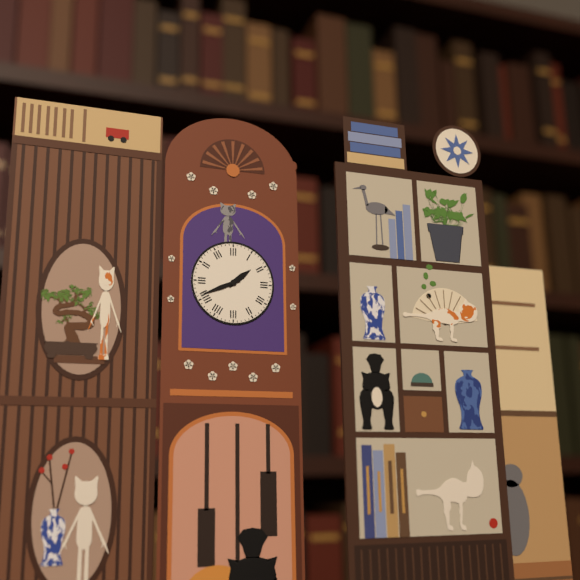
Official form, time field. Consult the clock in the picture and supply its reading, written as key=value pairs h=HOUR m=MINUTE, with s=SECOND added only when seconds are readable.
h=1 m=41
